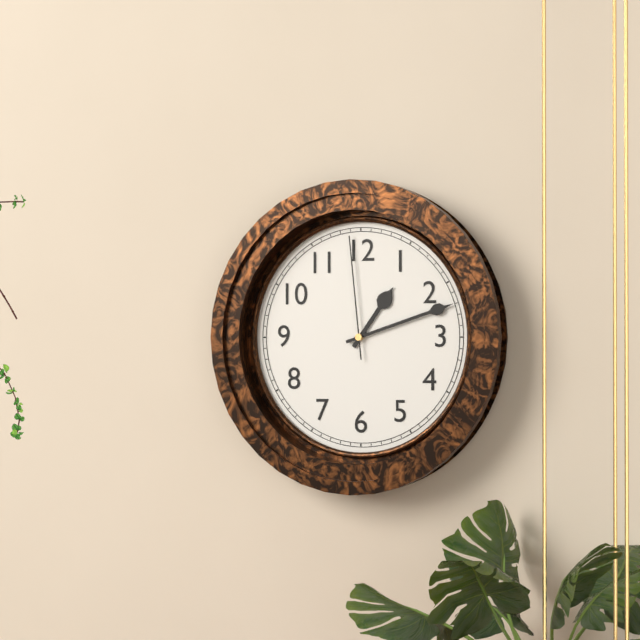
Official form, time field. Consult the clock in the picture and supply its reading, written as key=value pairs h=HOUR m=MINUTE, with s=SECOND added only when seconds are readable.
h=1 m=12 s=59
